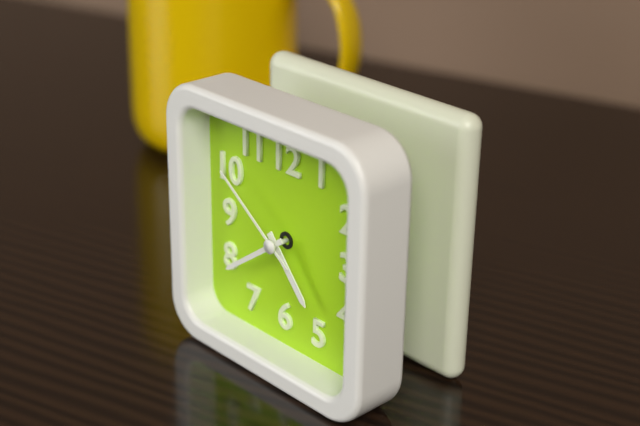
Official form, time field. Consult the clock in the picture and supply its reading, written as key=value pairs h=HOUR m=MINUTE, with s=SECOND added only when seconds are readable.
h=4 m=39 s=51
